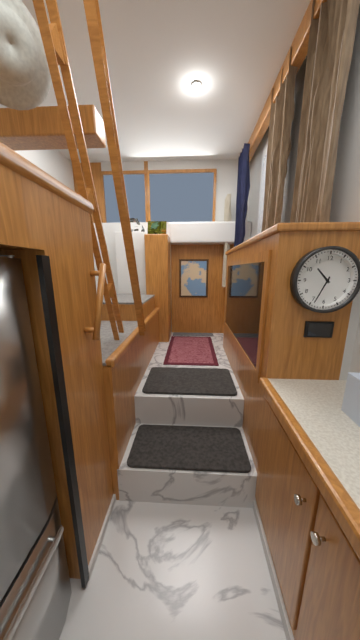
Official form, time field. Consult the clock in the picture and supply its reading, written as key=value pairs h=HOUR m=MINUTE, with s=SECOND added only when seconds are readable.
h=10 m=34
